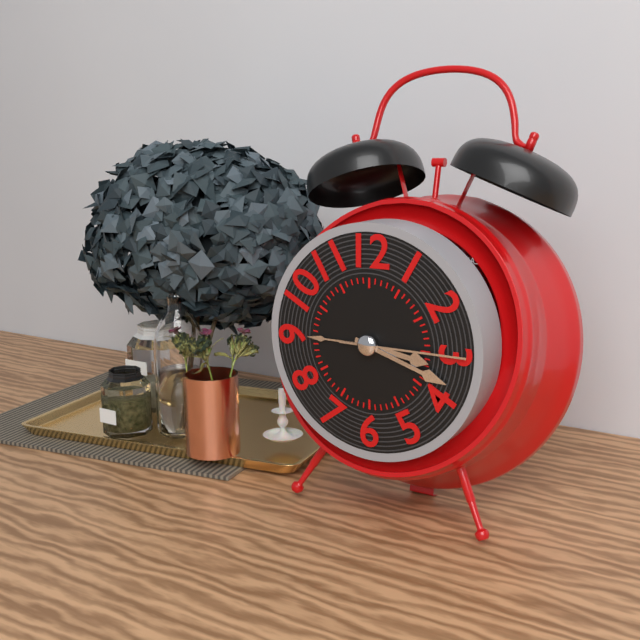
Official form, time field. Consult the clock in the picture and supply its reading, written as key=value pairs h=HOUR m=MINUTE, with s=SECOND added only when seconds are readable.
h=3 m=18 s=15
